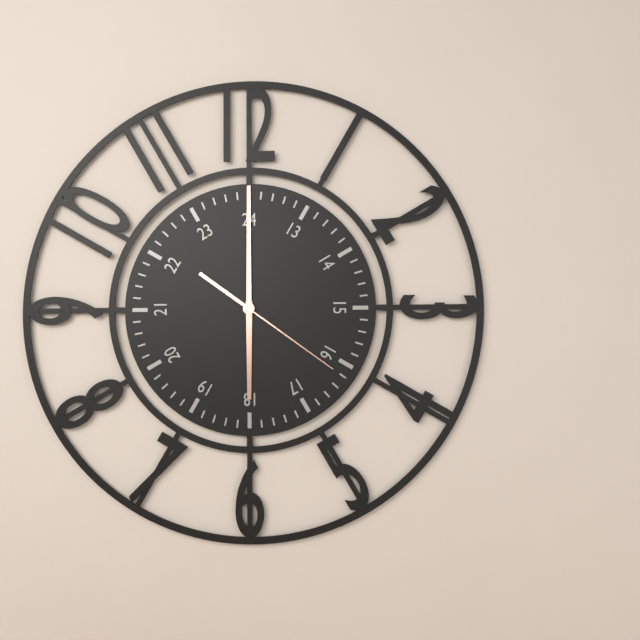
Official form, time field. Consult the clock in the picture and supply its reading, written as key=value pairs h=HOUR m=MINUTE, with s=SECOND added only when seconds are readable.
h=6 m=0 s=21
